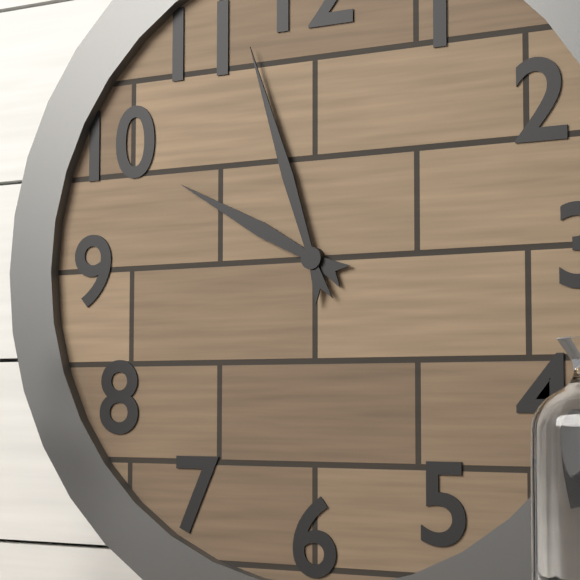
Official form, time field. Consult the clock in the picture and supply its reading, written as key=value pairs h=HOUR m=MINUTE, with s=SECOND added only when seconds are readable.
h=9 m=57
